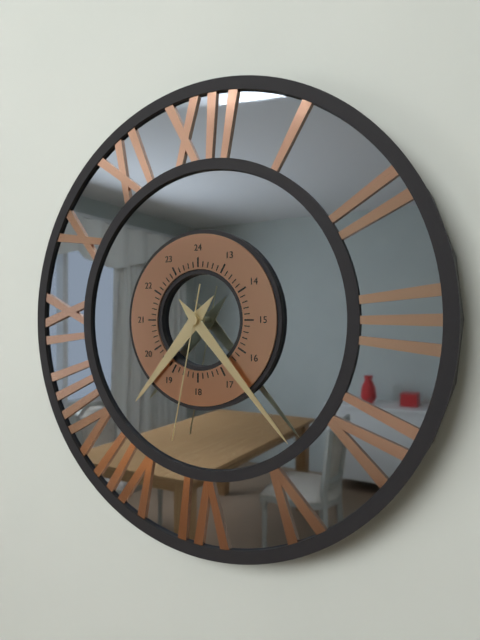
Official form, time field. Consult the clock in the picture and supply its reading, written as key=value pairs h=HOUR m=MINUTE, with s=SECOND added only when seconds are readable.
h=7 m=23 s=32
